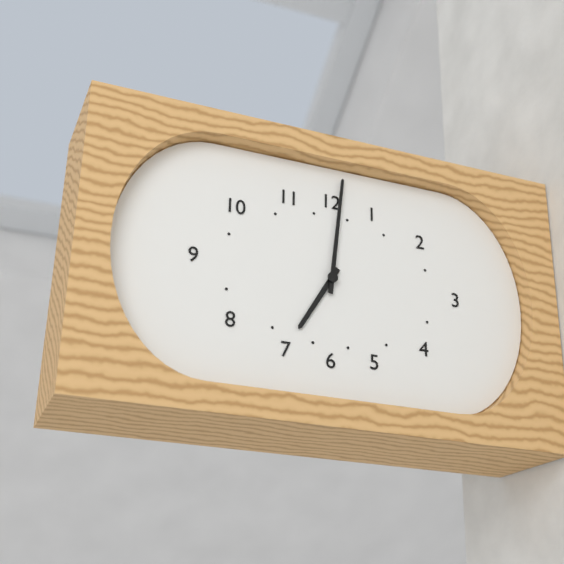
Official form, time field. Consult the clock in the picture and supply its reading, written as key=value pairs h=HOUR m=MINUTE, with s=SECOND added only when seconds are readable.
h=7 m=1
